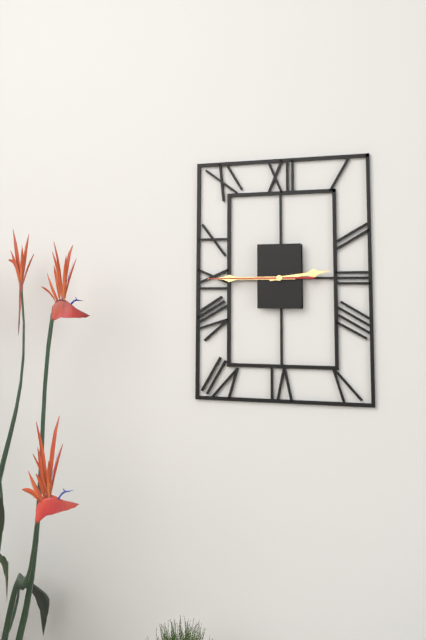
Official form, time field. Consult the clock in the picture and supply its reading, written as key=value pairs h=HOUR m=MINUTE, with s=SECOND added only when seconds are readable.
h=2 m=45 s=45
